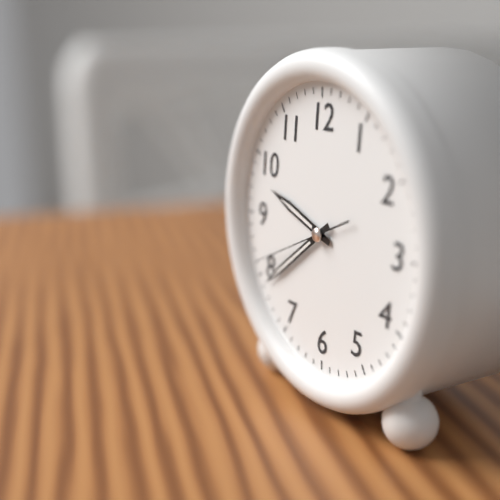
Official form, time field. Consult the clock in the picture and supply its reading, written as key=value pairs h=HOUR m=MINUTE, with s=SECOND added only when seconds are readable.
h=9 m=39 s=41
